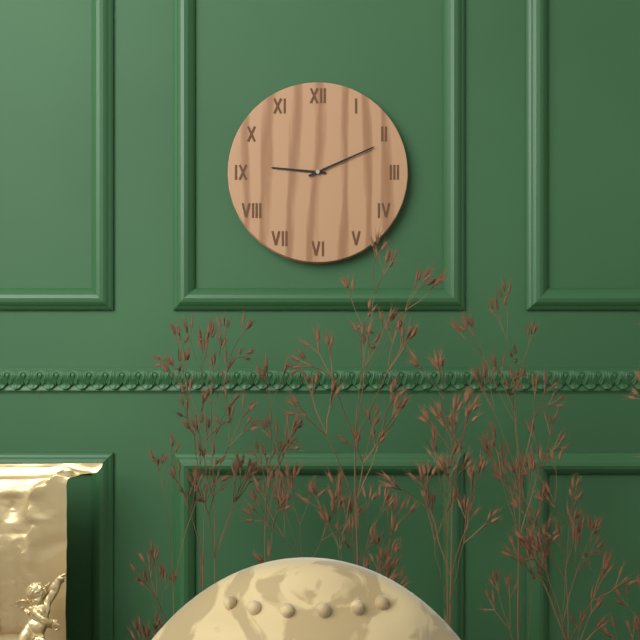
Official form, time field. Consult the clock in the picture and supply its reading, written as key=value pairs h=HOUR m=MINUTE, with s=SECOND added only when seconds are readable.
h=9 m=11
